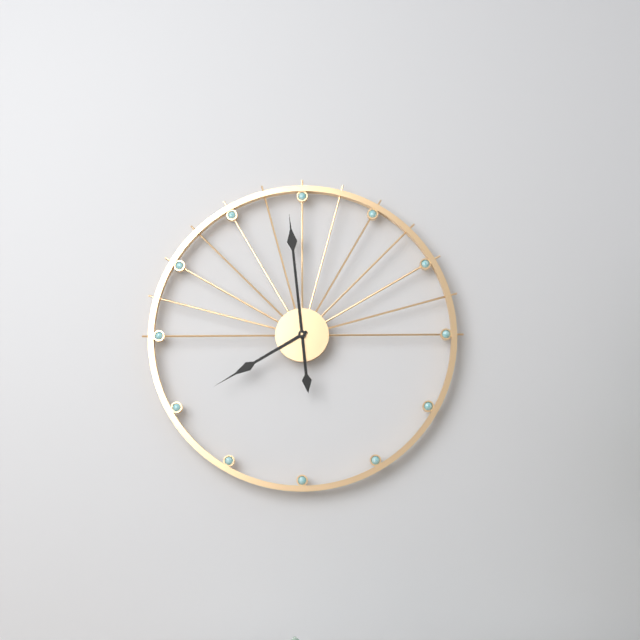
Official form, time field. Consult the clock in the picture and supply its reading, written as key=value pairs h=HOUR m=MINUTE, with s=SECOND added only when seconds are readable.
h=7 m=59
